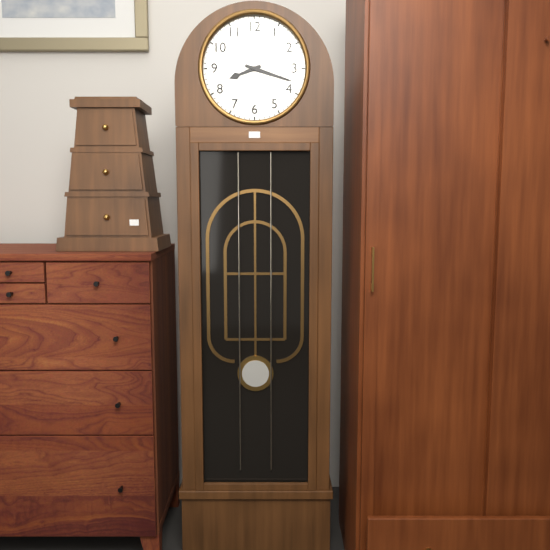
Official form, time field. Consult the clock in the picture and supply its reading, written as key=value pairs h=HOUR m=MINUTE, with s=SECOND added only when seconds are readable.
h=8 m=18
